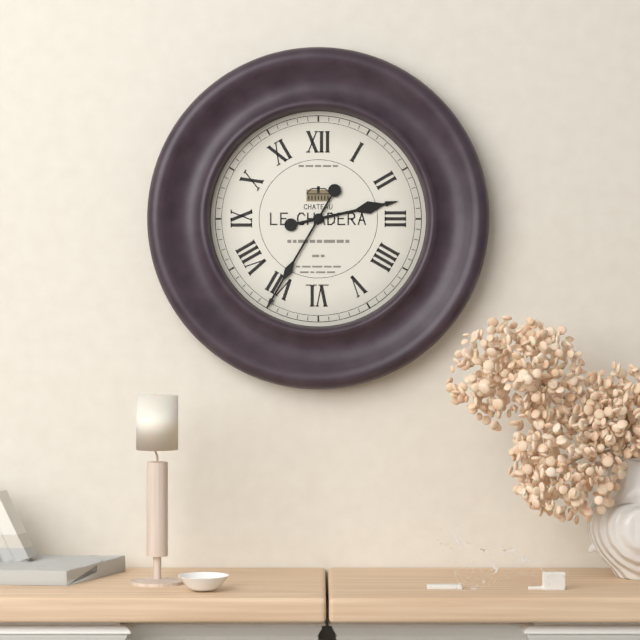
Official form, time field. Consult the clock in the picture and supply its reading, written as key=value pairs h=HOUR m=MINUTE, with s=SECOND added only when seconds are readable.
h=2 m=35
